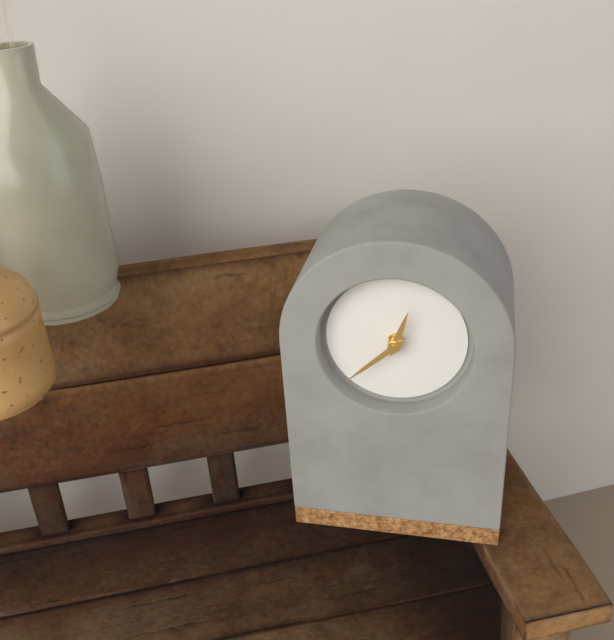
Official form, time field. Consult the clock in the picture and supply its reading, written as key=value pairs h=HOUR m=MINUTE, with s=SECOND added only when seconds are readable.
h=12 m=38
